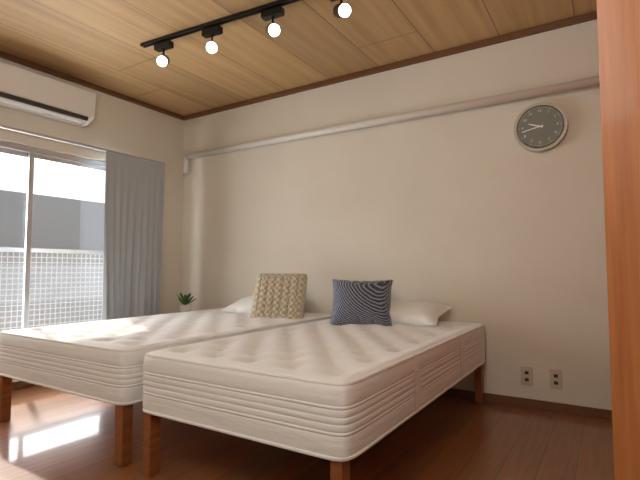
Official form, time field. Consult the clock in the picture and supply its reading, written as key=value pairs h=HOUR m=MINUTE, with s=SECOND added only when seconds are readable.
h=9 m=43
